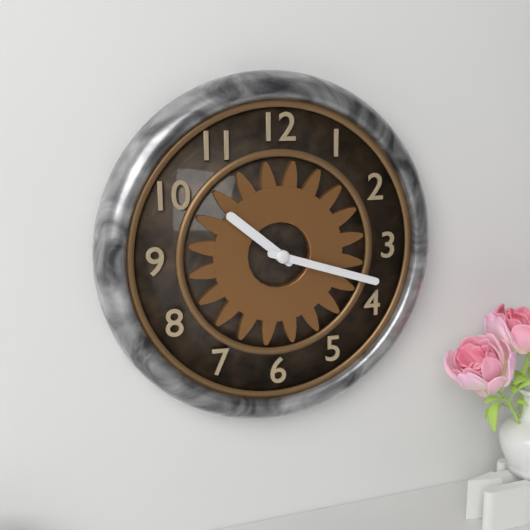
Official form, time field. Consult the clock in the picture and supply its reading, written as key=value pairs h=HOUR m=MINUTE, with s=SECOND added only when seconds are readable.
h=10 m=18
